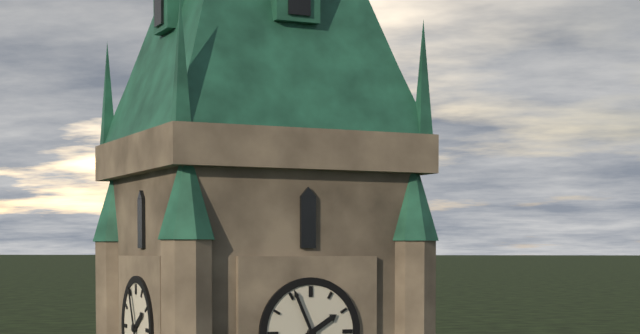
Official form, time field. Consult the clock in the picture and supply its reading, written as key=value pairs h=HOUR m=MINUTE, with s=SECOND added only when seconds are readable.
h=1 m=56
